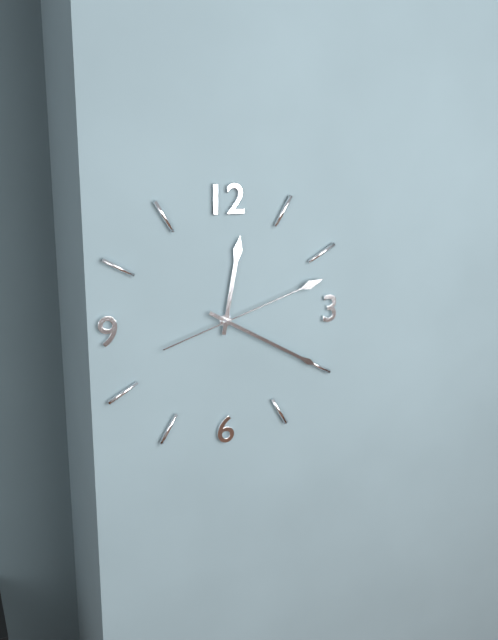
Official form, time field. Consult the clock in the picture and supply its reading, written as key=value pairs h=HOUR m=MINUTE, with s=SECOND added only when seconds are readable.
h=12 m=20 s=12
